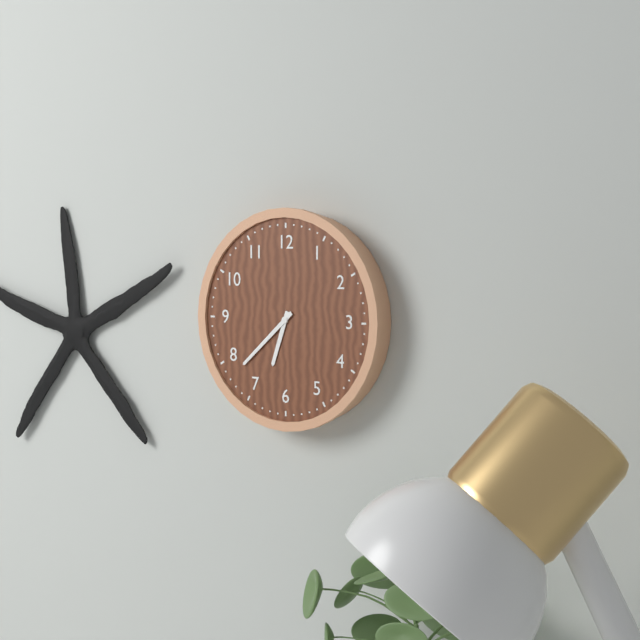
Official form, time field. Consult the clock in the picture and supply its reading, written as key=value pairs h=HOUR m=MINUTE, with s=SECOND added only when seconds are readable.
h=6 m=38
